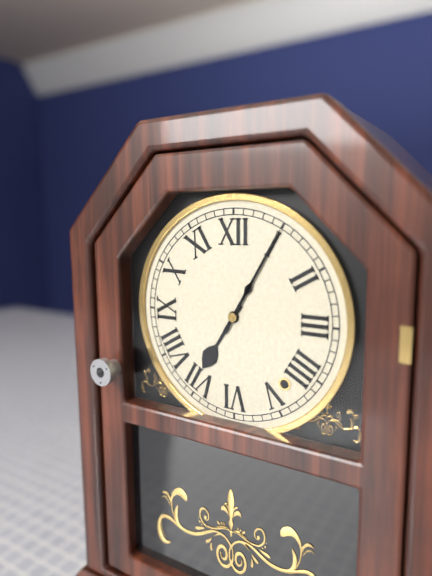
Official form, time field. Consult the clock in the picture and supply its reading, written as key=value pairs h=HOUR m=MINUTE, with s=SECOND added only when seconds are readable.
h=7 m=5
